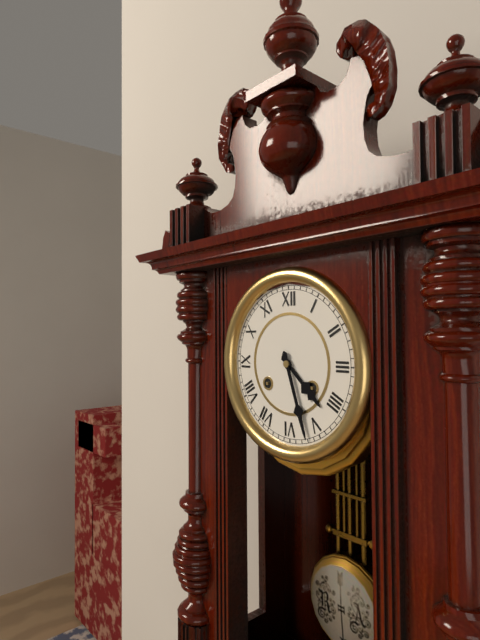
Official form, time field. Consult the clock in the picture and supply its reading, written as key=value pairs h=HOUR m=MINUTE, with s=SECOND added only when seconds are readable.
h=4 m=27
